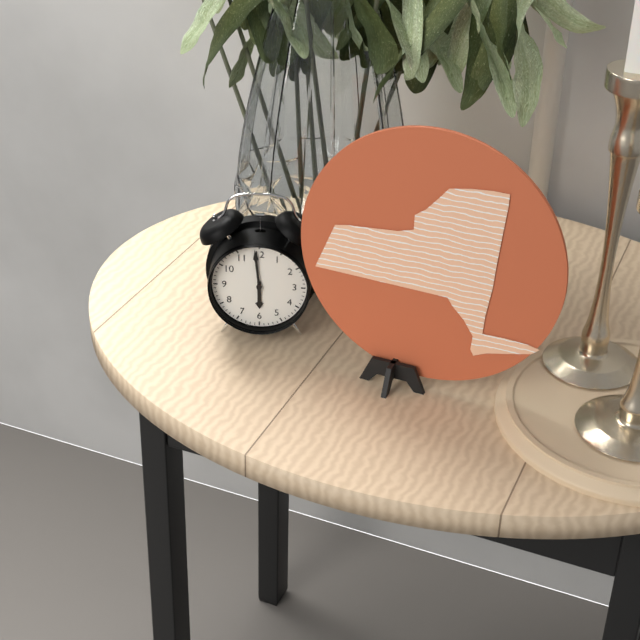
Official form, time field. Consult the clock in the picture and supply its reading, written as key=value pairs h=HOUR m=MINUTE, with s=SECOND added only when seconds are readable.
h=5 m=59
